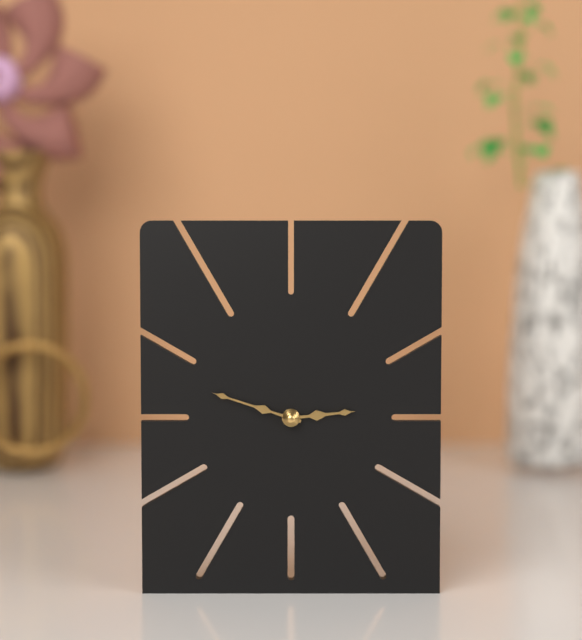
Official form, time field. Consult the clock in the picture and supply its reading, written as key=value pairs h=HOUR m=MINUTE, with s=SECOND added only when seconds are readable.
h=2 m=48
